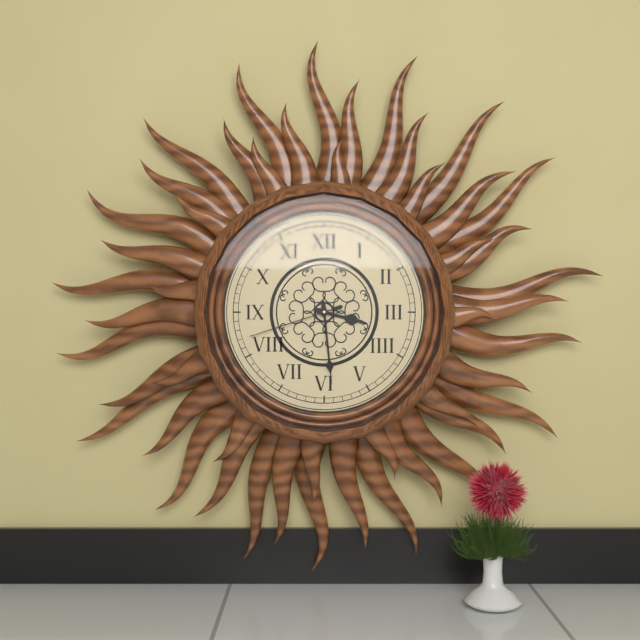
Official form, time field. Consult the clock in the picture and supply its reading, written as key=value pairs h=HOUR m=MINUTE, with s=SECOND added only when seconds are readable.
h=3 m=29 s=42
